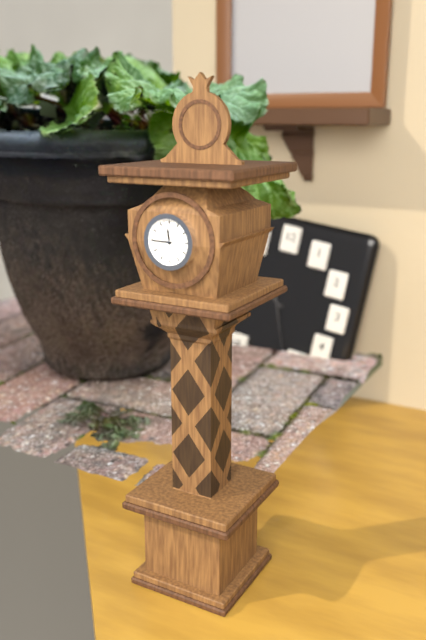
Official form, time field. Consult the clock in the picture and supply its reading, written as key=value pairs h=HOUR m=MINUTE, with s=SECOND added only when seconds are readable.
h=11 m=45
